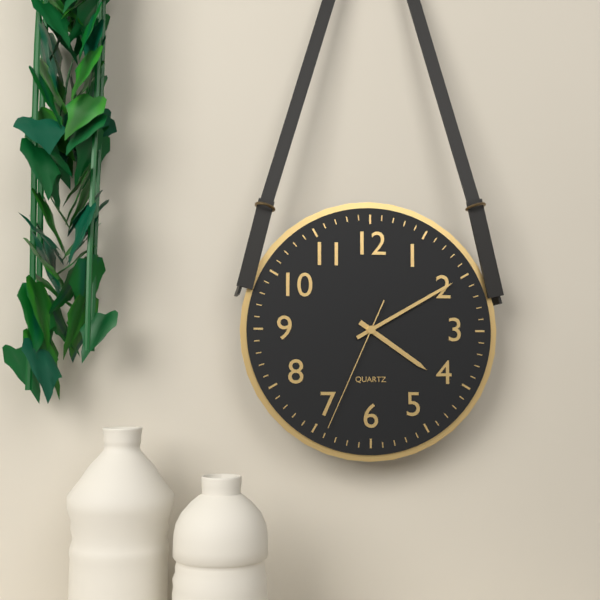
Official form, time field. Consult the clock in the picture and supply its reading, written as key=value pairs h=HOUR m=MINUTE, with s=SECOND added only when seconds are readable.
h=4 m=10 s=34
